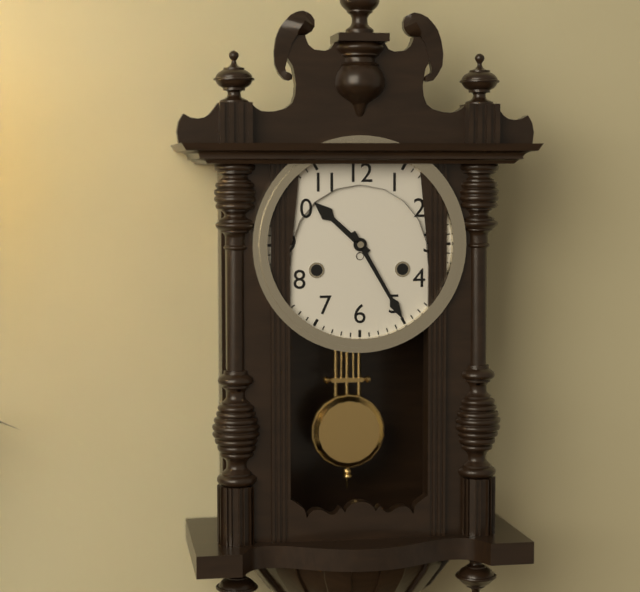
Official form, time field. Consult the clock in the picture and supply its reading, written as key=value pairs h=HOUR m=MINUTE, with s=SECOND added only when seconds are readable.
h=10 m=25
